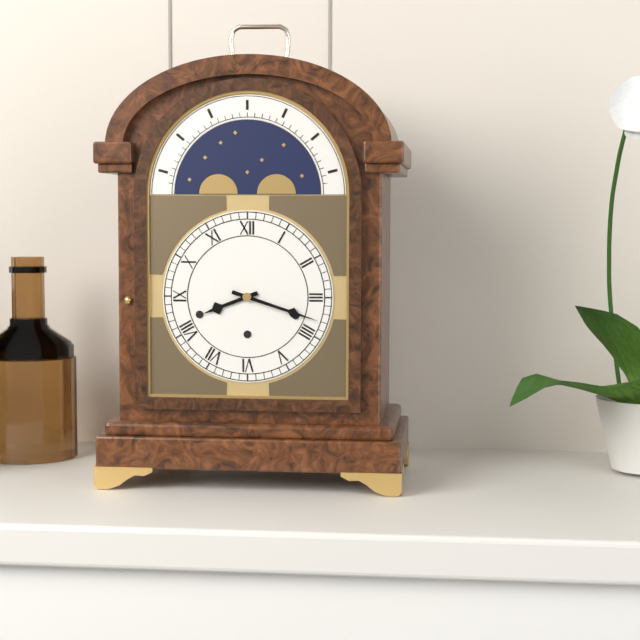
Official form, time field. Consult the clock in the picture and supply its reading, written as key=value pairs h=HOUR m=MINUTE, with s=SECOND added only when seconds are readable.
h=8 m=18
